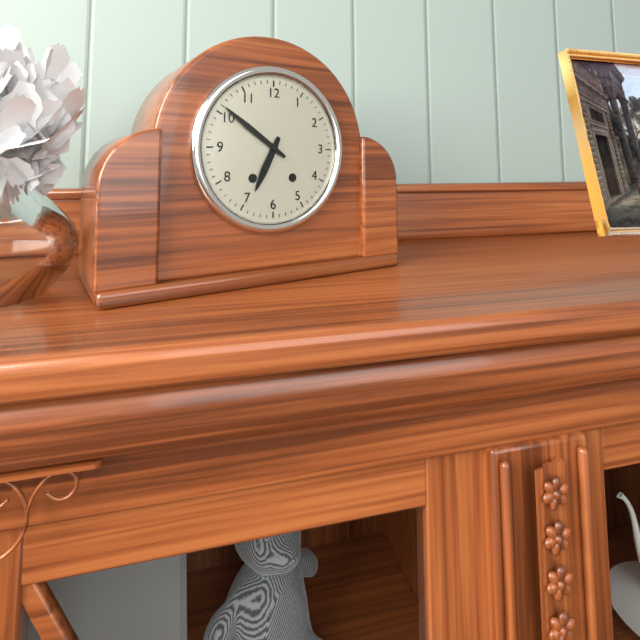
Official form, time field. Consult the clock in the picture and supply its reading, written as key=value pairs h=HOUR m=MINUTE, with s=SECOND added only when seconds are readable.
h=6 m=51
